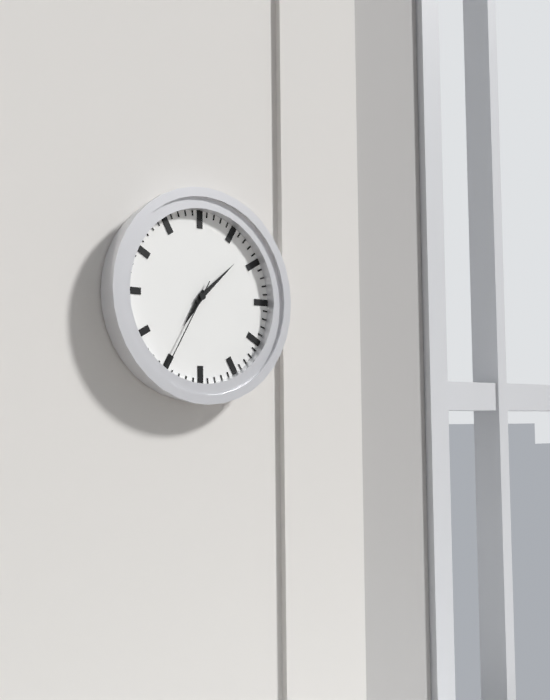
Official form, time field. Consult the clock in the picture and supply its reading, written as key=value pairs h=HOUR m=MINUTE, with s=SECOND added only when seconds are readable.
h=7 m=8 s=35
